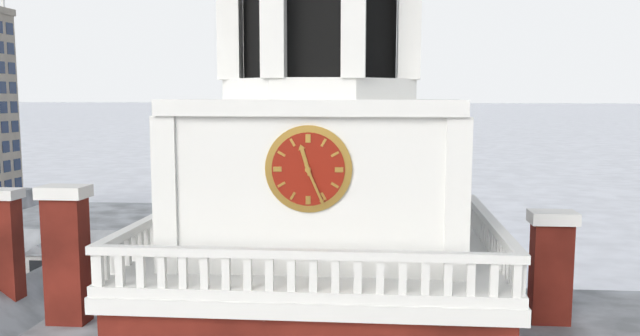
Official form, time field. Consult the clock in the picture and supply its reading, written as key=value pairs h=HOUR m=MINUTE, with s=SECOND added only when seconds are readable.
h=11 m=26
